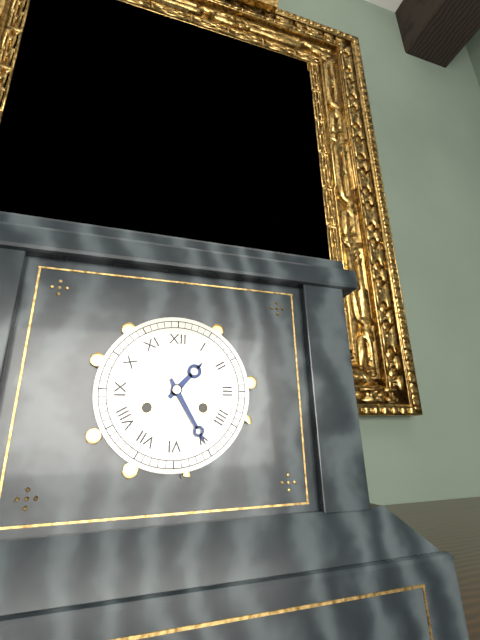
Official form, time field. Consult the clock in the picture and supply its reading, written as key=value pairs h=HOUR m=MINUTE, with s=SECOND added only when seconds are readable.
h=1 m=25
